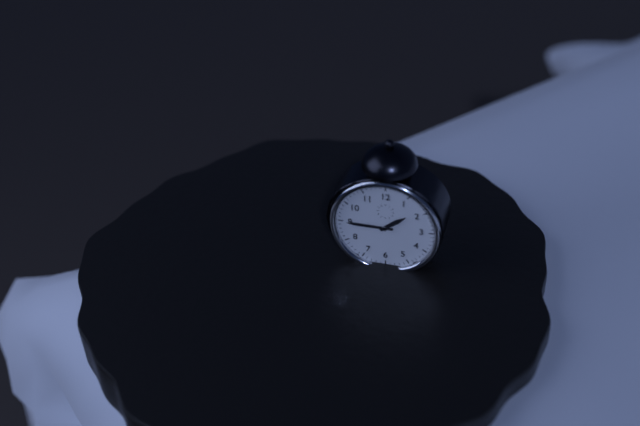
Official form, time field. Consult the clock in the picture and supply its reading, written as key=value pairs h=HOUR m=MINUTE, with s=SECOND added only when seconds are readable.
h=1 m=45
